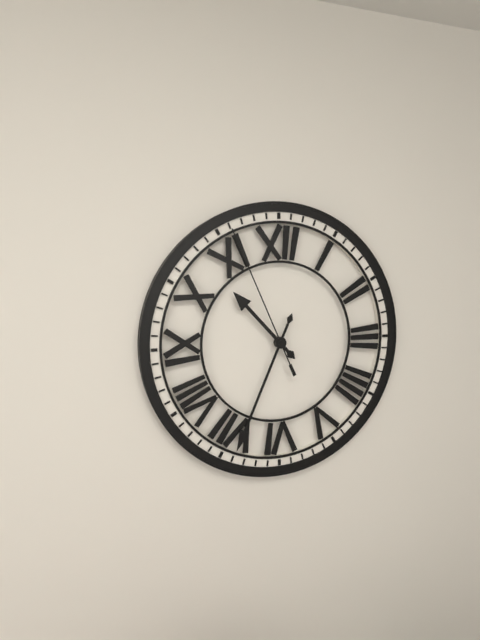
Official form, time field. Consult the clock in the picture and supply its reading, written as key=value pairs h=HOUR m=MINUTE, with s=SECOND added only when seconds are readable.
h=10 m=34 s=56
